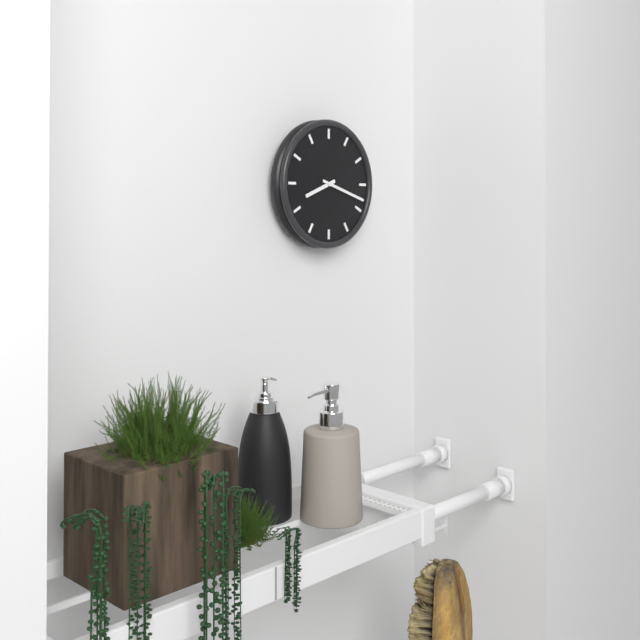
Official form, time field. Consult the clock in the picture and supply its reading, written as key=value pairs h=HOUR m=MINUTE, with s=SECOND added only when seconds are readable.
h=8 m=18
